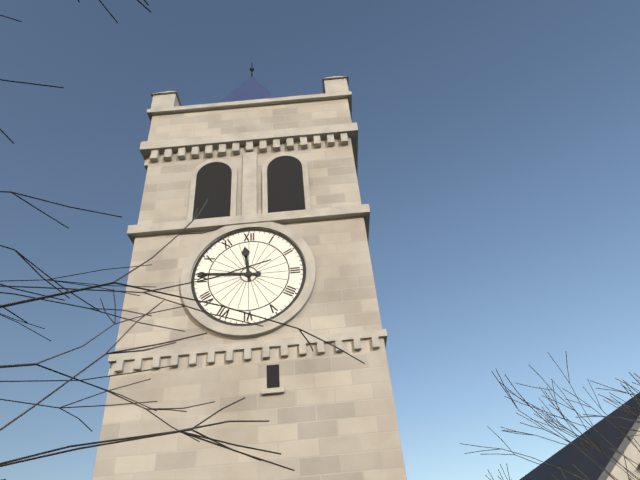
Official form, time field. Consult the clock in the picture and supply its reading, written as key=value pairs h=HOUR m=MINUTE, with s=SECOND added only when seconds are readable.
h=11 m=46
